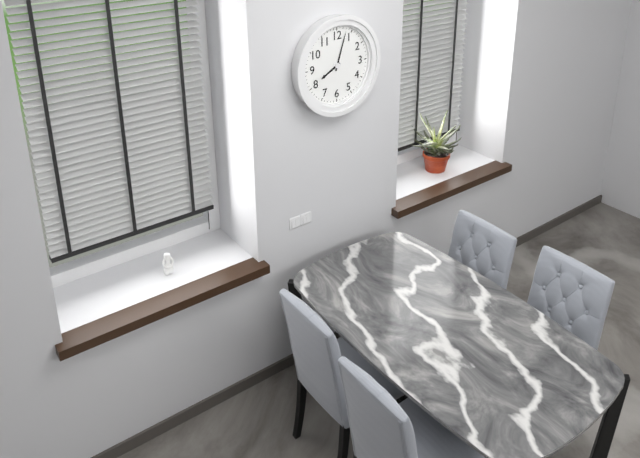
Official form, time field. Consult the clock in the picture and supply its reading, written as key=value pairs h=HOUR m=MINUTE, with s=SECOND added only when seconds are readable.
h=8 m=3
